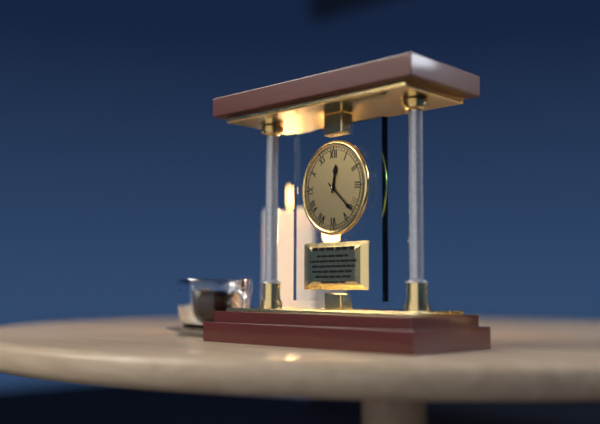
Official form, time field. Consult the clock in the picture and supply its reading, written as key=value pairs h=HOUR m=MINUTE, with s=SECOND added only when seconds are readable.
h=12 m=22
